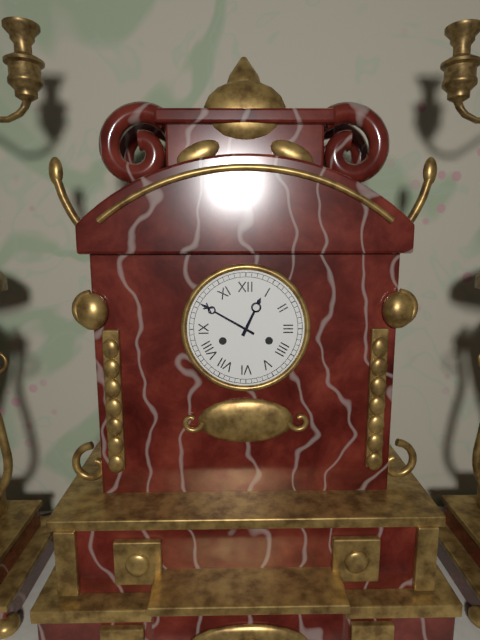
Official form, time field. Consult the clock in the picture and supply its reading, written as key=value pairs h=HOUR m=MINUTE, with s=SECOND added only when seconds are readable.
h=12 m=50
